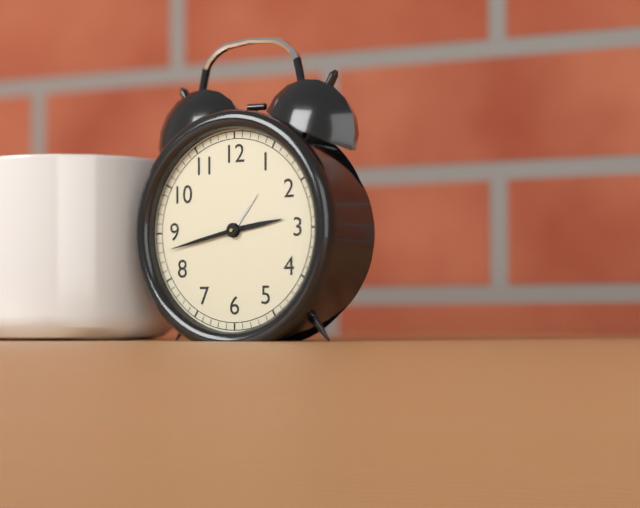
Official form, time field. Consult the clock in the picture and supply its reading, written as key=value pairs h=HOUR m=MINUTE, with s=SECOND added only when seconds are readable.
h=2 m=43
